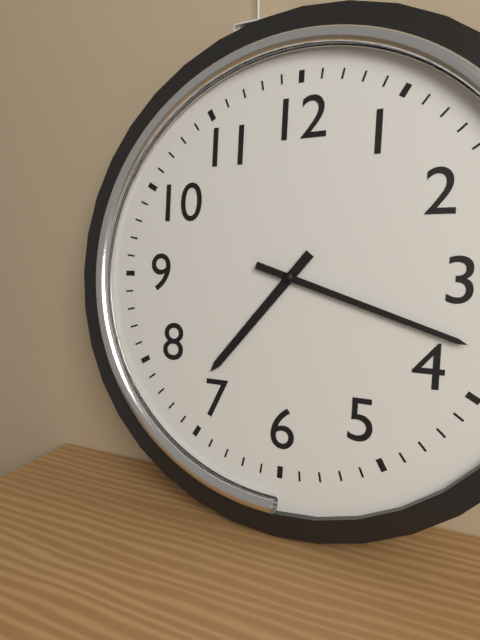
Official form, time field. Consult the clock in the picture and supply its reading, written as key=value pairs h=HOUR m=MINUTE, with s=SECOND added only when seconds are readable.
h=7 m=18
